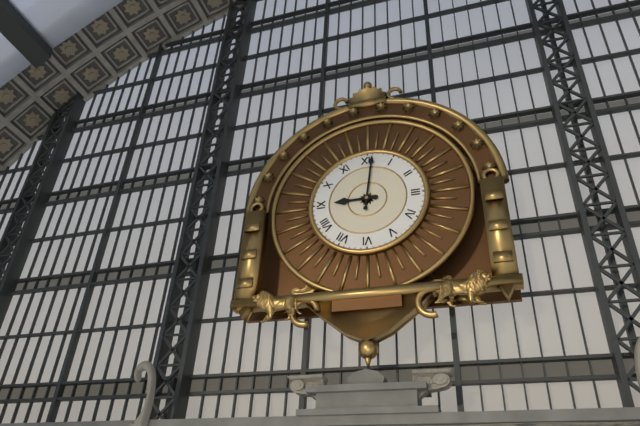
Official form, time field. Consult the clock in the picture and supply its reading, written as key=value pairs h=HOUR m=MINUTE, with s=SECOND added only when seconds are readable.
h=9 m=1
